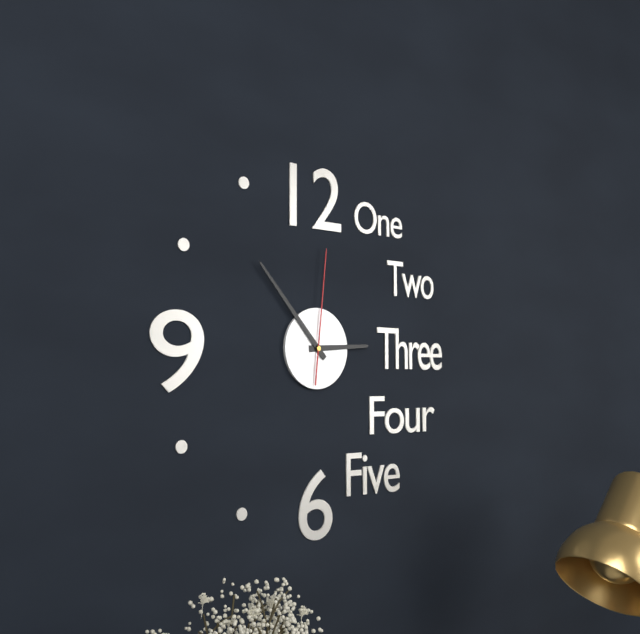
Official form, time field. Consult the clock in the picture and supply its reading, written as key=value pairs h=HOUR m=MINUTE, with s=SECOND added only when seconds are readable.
h=2 m=53 s=1
